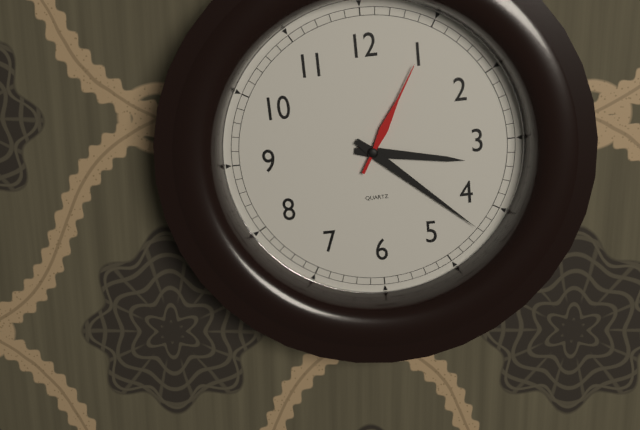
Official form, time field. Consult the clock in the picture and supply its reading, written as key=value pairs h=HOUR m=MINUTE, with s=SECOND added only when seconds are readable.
h=3 m=22 s=5
